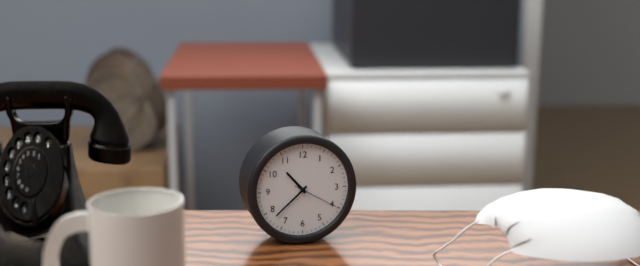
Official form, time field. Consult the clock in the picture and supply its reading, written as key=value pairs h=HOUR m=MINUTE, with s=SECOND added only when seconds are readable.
h=10 m=38
